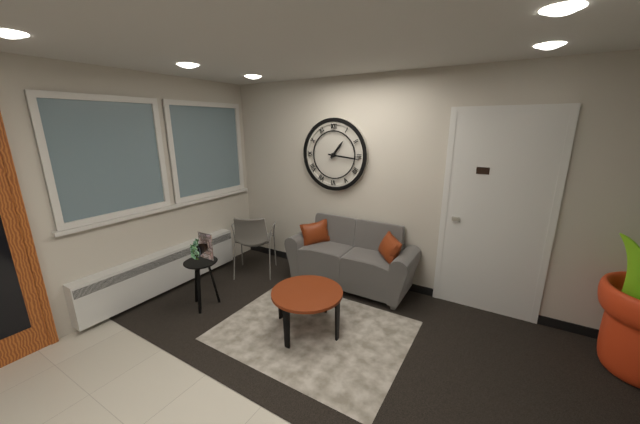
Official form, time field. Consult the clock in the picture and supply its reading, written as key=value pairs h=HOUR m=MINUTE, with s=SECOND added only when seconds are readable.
h=1 m=16
